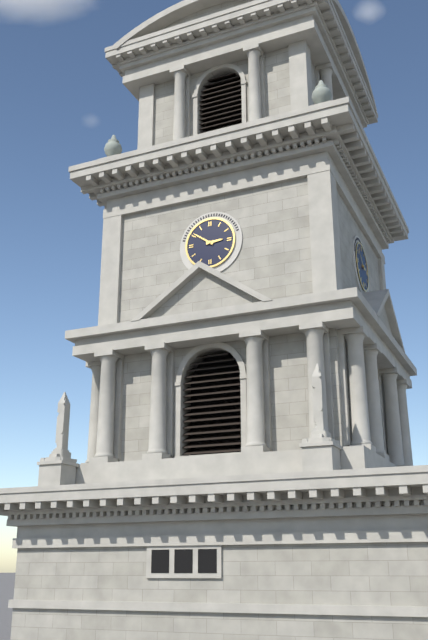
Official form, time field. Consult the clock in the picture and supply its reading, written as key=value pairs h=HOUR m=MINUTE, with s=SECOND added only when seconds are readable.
h=2 m=51
